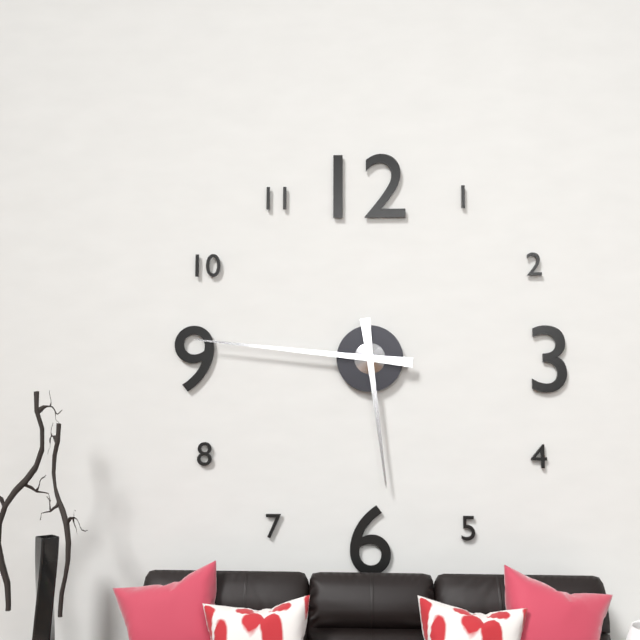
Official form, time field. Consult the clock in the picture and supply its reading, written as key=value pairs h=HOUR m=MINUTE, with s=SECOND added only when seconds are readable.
h=5 m=46
